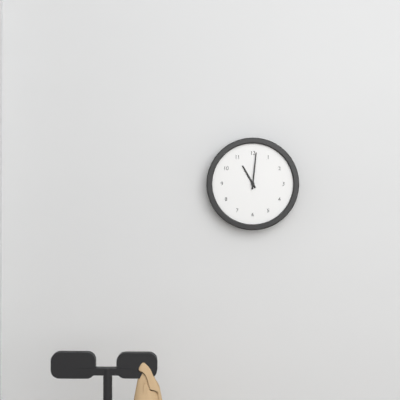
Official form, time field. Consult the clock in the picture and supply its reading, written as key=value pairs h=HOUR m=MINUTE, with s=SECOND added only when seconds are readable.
h=11 m=1
